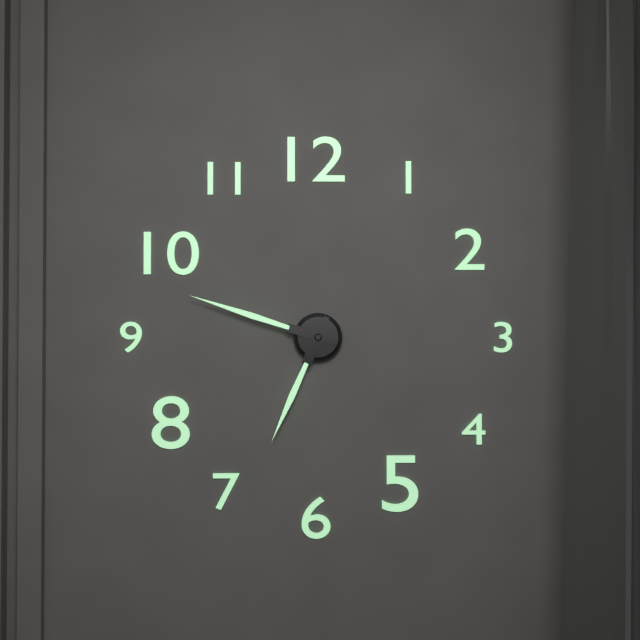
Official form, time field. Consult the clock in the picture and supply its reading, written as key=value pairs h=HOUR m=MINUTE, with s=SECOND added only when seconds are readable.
h=6 m=48
